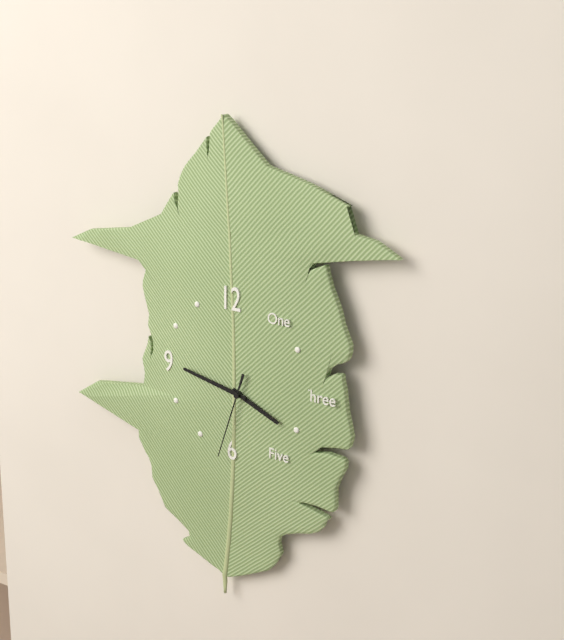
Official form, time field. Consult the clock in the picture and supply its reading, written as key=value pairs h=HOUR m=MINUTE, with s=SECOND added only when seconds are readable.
h=3 m=47 s=33
